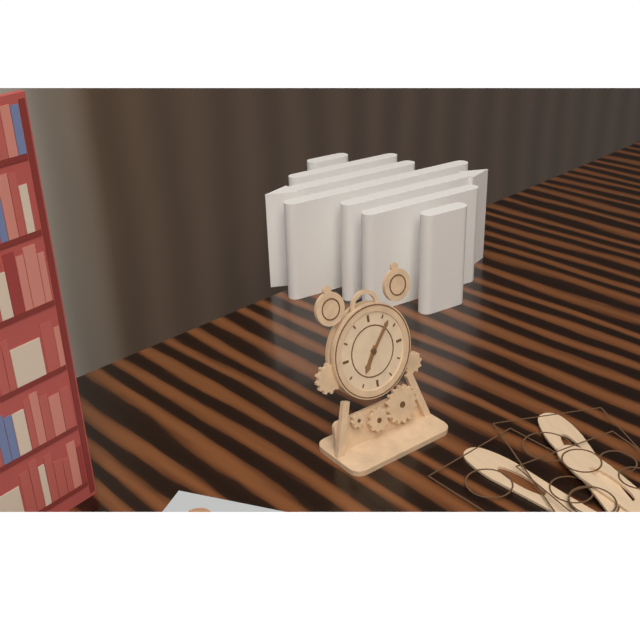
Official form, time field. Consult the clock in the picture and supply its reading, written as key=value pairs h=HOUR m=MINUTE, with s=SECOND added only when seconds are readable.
h=7 m=7
